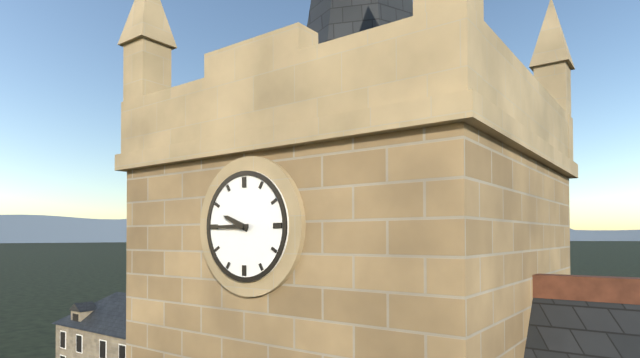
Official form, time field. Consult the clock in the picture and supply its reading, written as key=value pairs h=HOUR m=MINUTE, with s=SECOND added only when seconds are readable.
h=9 m=45
